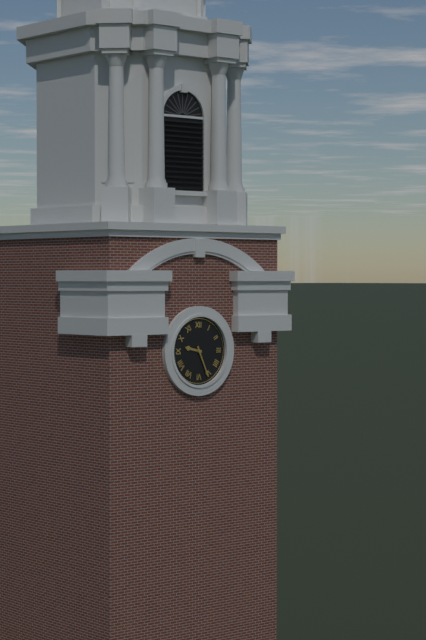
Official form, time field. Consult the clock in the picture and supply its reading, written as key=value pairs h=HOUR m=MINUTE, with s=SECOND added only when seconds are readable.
h=9 m=26
